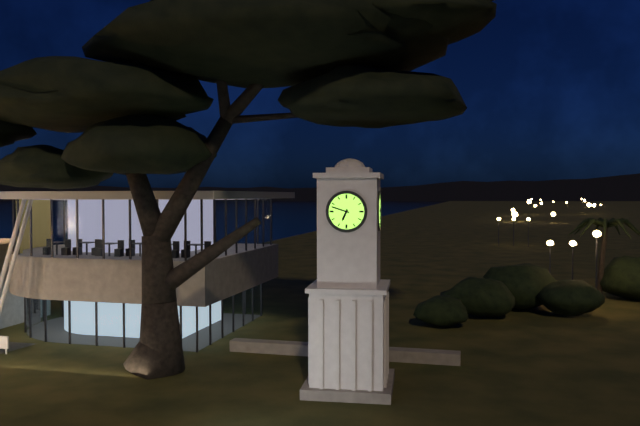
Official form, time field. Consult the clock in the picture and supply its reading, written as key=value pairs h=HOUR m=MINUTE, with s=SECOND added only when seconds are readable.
h=6 m=48
